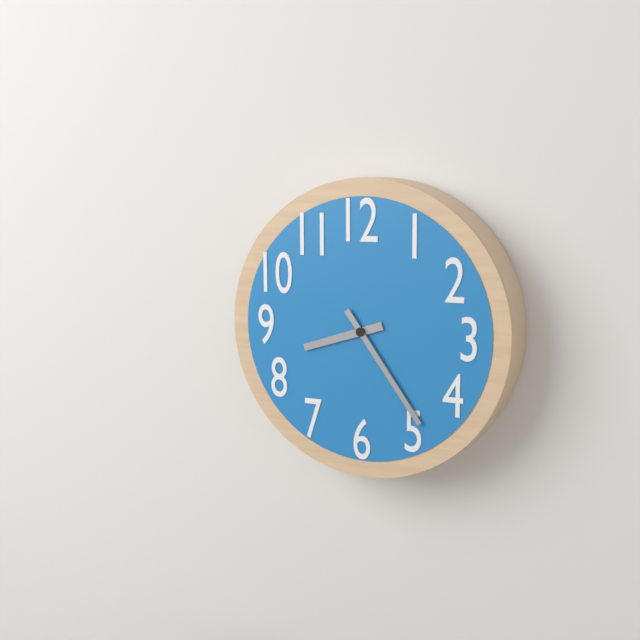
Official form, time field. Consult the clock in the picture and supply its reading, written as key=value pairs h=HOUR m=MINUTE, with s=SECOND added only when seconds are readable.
h=8 m=24
